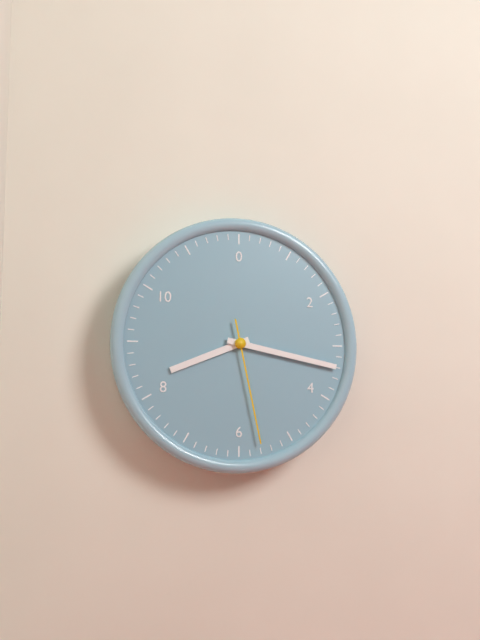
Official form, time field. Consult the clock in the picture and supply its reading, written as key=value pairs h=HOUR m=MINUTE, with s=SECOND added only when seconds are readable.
h=8 m=17 s=28
